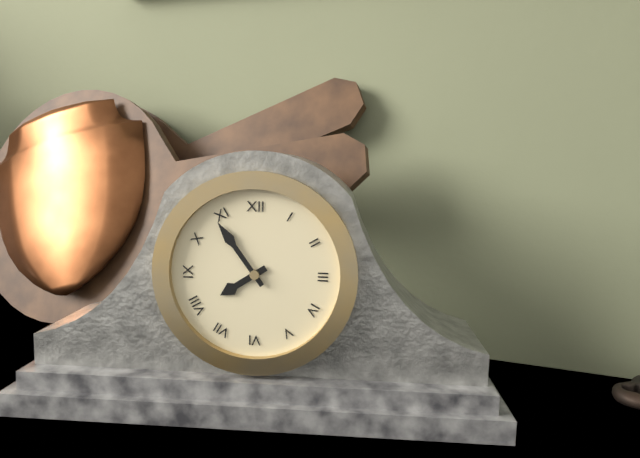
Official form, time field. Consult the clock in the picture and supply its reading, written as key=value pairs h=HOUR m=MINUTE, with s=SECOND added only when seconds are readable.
h=7 m=54
